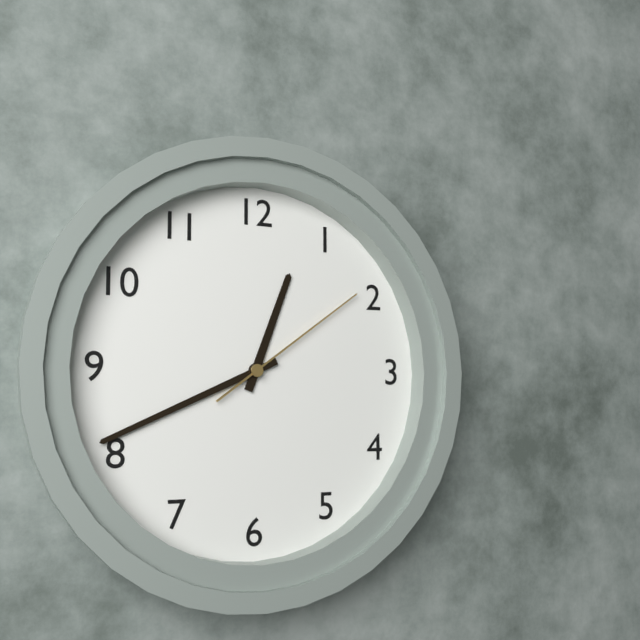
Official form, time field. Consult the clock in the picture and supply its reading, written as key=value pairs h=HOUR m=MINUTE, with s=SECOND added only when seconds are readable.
h=12 m=41 s=9
